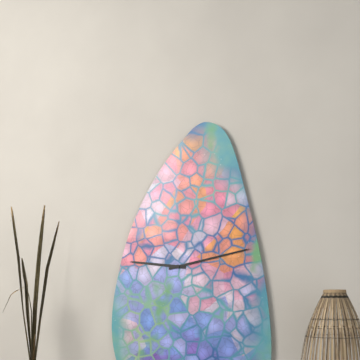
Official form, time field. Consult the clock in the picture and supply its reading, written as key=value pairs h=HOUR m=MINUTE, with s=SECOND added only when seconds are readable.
h=9 m=13
